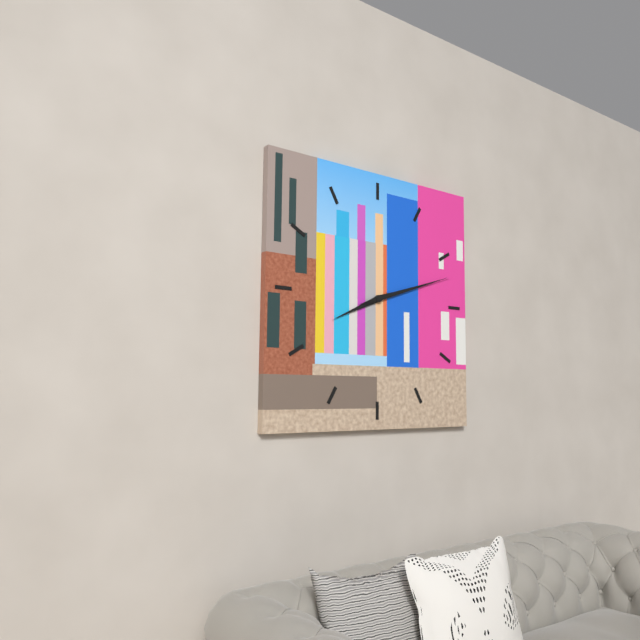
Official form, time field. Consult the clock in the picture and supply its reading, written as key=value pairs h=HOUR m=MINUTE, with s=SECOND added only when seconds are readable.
h=8 m=12
